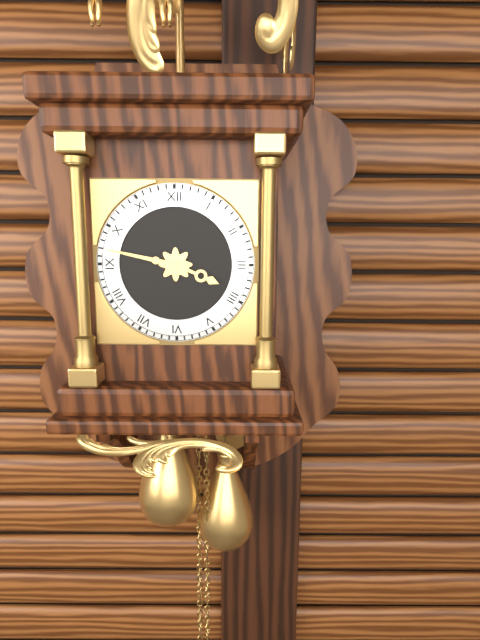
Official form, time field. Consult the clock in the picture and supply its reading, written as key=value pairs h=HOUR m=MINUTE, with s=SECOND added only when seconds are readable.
h=3 m=47
